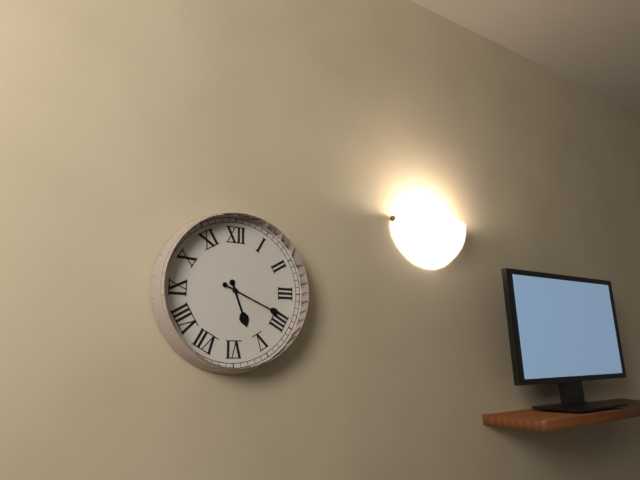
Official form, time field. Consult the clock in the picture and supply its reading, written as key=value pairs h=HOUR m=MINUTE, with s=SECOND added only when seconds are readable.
h=5 m=19
